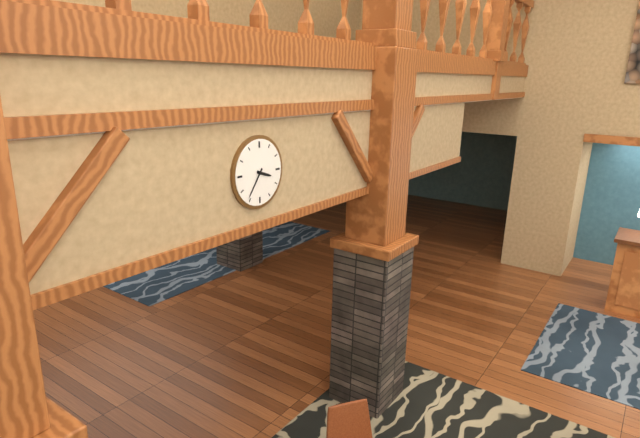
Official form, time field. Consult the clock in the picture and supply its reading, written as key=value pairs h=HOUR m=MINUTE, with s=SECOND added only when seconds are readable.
h=3 m=36
